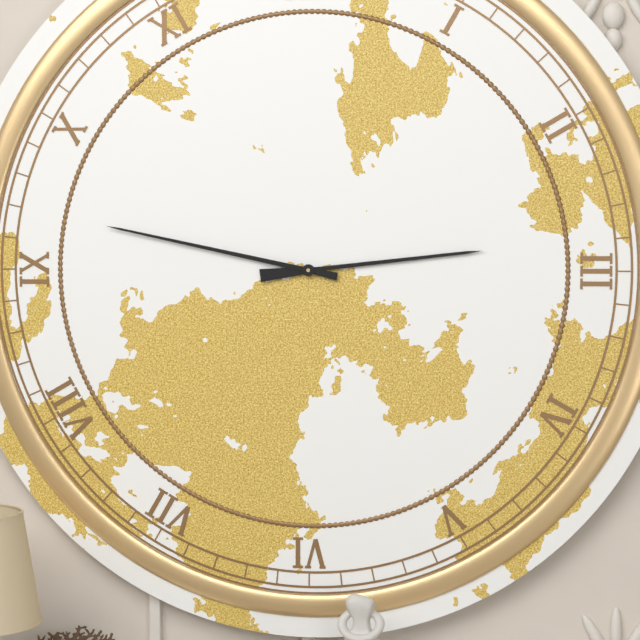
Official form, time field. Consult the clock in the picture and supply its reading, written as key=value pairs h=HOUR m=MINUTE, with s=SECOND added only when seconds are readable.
h=2 m=47
